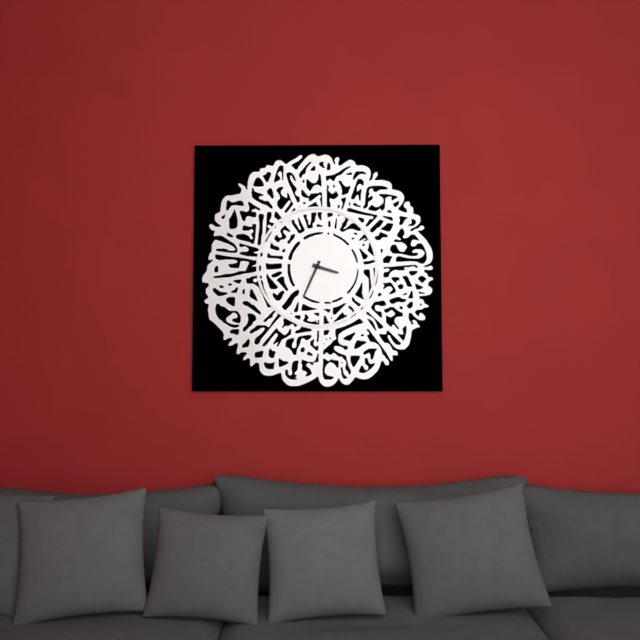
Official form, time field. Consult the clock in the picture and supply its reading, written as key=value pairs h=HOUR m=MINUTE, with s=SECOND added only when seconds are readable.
h=3 m=34
